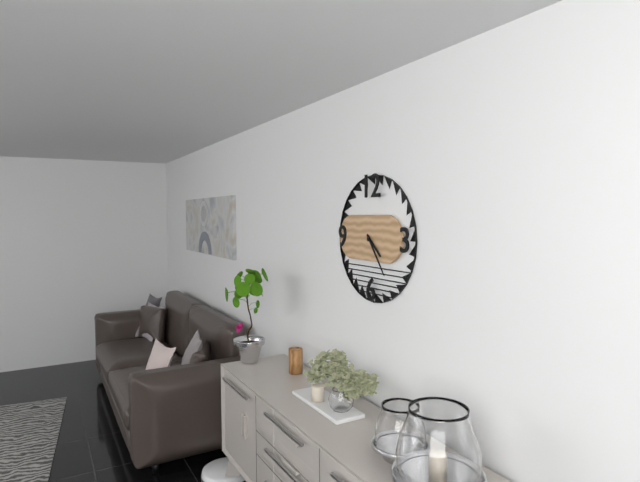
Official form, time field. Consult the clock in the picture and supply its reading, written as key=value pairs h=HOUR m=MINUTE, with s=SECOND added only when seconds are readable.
h=4 m=24
